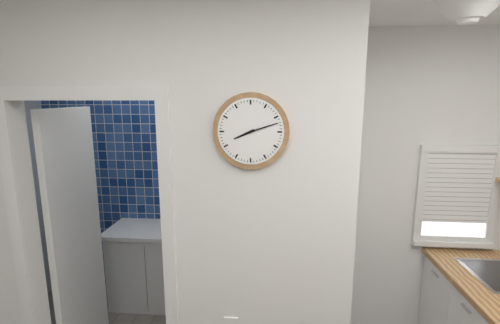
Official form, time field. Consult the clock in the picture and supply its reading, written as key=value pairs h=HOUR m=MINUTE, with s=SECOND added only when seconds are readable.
h=8 m=12
